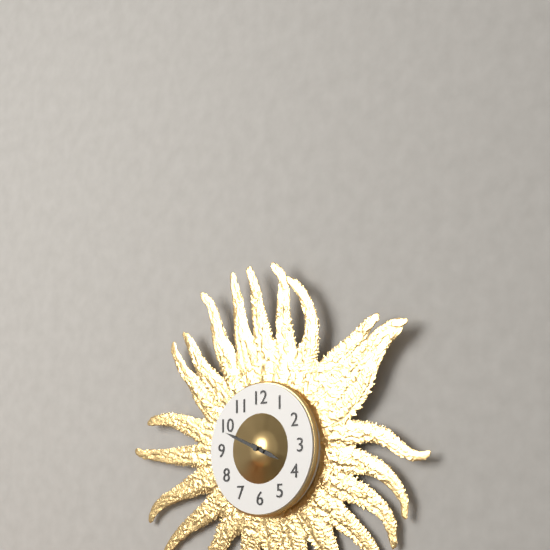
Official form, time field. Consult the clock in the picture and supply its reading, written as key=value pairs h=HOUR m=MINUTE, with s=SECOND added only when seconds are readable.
h=3 m=49
